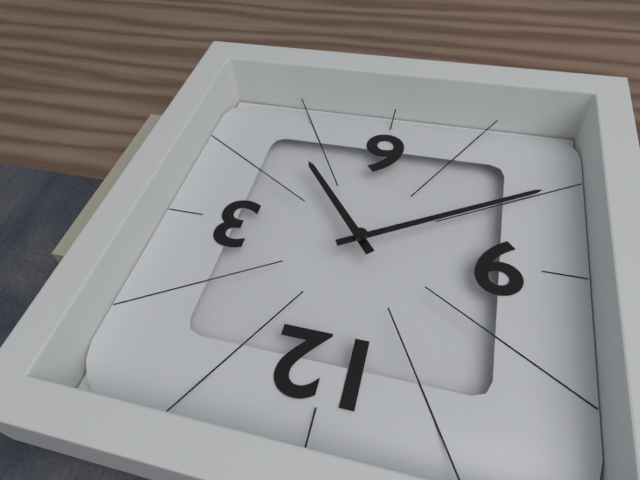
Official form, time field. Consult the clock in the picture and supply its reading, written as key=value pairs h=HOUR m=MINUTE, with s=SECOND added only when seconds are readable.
h=4 m=40
